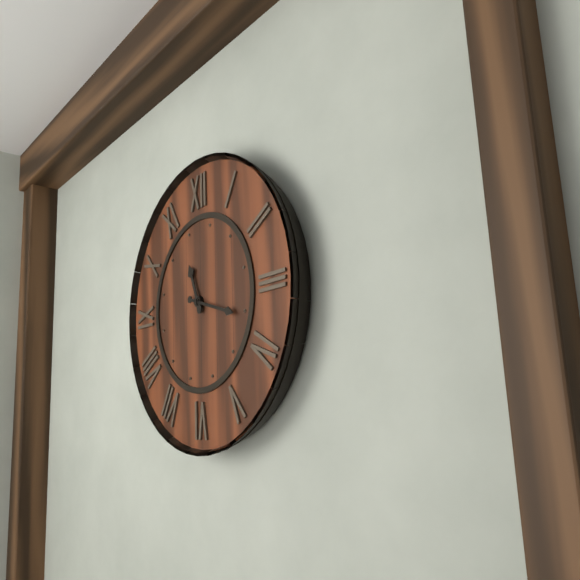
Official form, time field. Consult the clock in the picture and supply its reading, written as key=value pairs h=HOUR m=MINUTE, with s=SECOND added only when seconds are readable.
h=11 m=18
